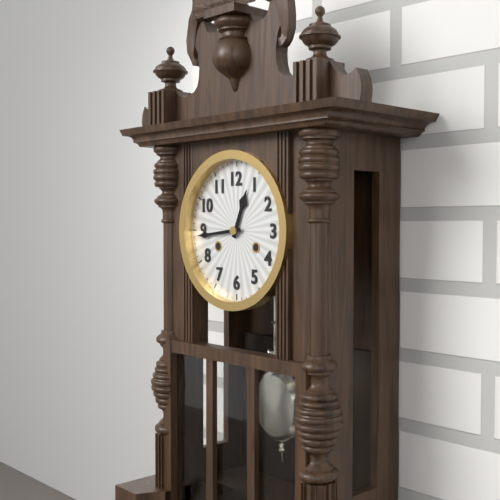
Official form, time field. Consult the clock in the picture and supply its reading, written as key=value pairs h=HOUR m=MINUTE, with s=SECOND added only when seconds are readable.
h=12 m=44
